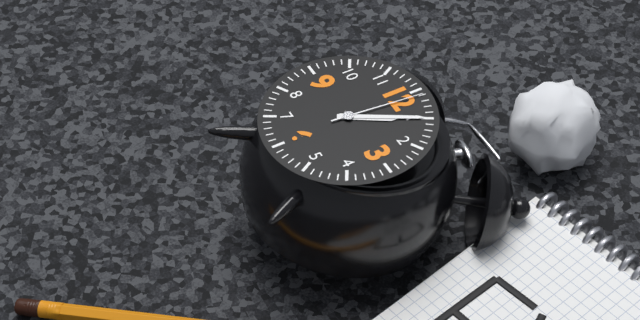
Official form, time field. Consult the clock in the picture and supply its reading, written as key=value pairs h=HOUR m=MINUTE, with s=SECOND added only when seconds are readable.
h=1 m=5 s=1
